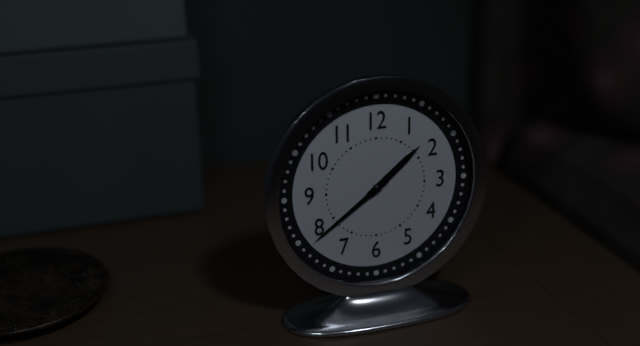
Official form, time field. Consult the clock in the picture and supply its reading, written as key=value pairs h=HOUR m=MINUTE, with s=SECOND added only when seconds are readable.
h=1 m=39
